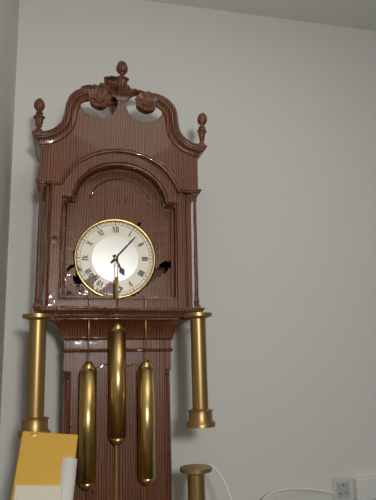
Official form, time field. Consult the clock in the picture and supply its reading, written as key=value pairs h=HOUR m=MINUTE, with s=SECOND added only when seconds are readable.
h=5 m=7
